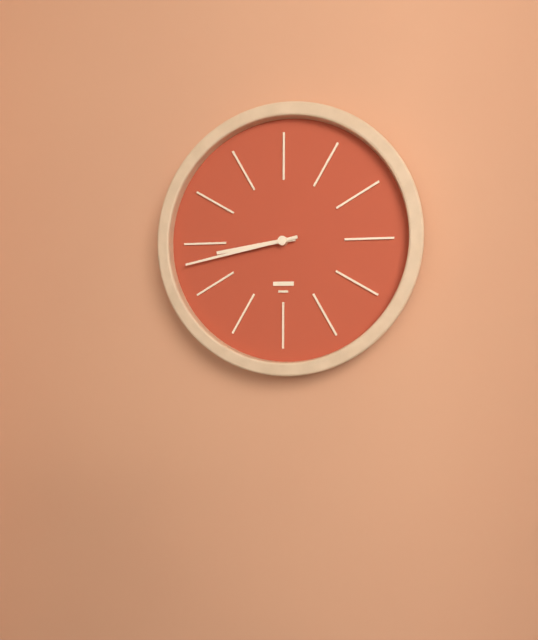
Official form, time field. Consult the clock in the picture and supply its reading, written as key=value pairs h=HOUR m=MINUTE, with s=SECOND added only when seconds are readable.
h=8 m=43
